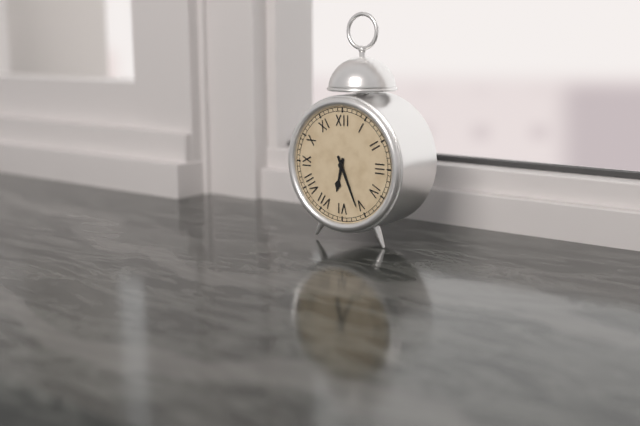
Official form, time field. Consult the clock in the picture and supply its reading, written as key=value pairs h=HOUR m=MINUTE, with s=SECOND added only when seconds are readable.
h=6 m=26
